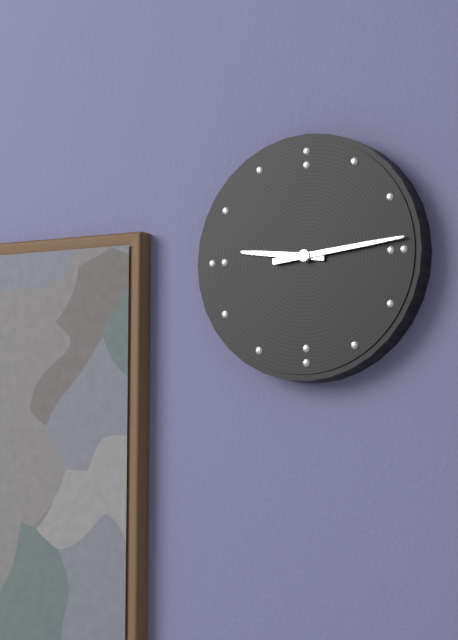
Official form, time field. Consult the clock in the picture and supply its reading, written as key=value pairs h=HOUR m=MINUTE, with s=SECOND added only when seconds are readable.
h=9 m=14
